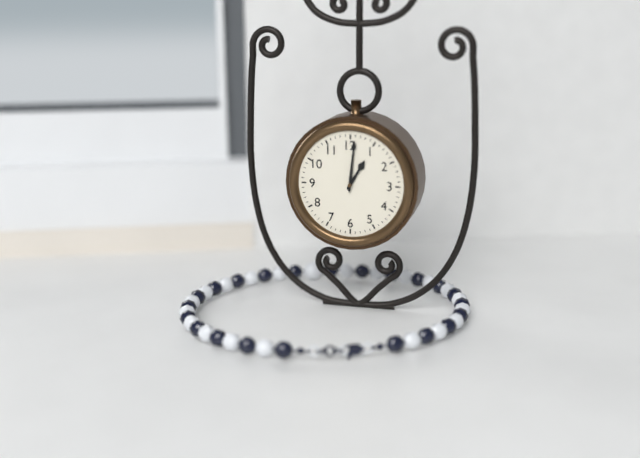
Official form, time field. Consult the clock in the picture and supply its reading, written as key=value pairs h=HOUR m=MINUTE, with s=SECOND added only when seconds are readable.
h=1 m=1
